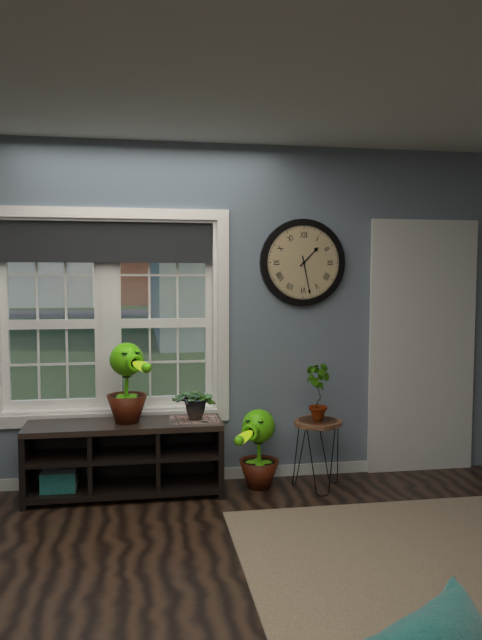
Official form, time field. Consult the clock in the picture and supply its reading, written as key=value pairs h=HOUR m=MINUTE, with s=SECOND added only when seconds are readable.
h=1 m=28
